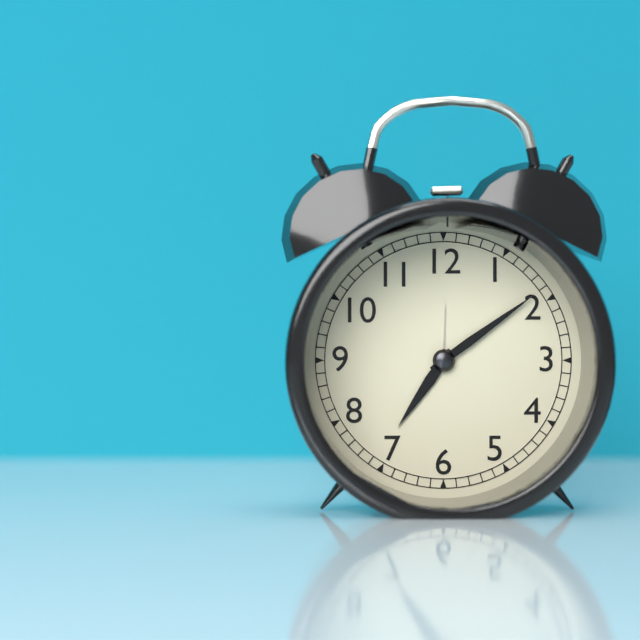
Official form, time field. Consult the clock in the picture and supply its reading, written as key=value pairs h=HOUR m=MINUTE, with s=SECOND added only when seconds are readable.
h=7 m=9
